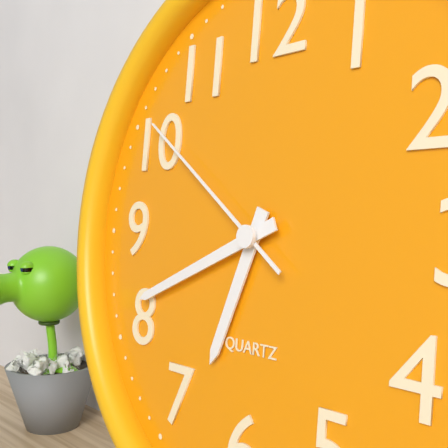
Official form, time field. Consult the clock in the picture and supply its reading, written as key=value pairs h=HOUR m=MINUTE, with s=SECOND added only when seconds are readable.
h=6 m=41 s=51
